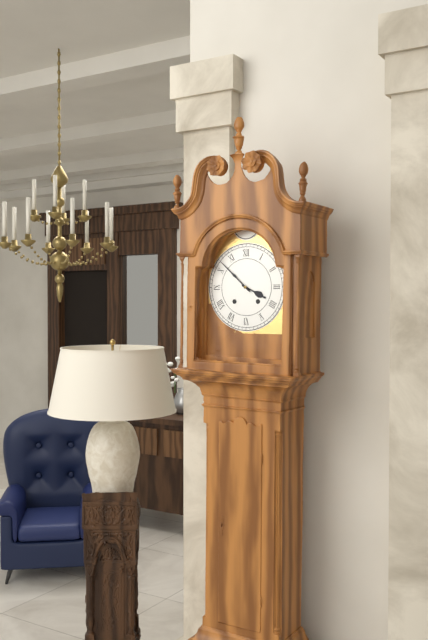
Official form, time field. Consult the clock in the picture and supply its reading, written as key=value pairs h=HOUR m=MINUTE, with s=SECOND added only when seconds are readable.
h=3 m=52
